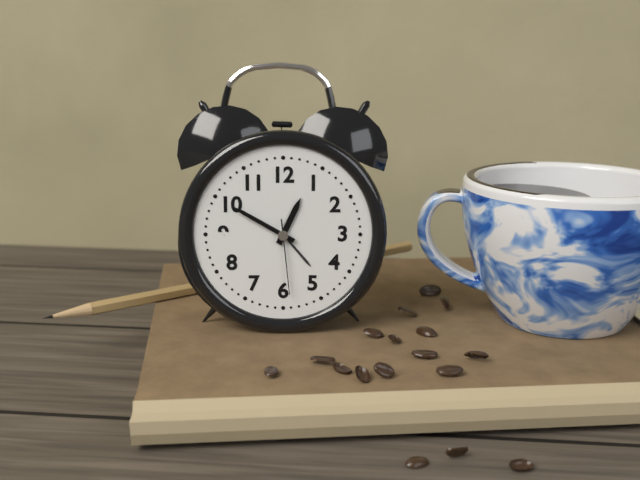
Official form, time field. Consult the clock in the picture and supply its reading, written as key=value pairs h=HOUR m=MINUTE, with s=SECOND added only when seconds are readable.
h=12 m=50 s=29
